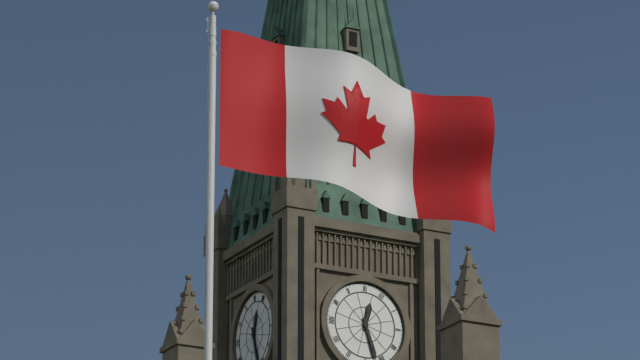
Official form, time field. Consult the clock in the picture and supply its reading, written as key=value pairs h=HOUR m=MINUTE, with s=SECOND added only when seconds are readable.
h=12 m=27
